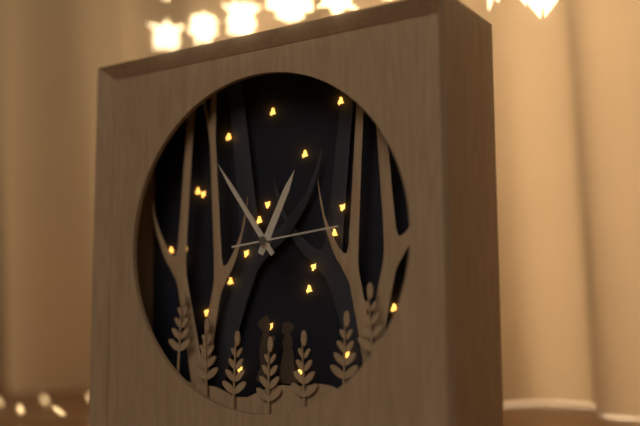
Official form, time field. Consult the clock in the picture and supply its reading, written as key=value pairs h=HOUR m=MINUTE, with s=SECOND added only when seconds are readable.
h=12 m=54 s=14
